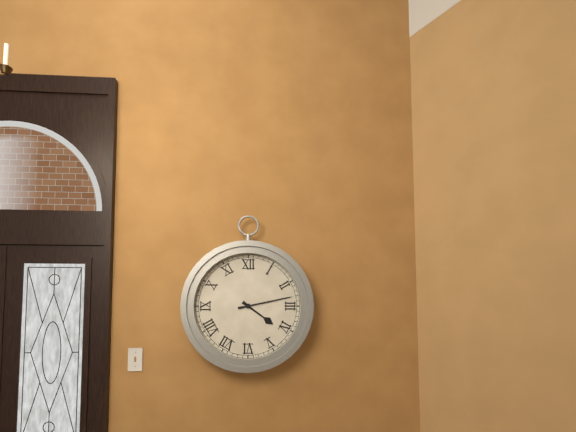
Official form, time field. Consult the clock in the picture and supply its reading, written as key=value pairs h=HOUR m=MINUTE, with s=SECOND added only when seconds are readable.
h=4 m=13
